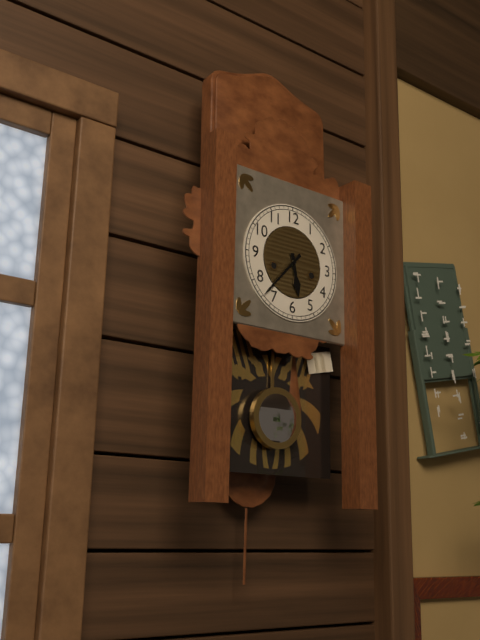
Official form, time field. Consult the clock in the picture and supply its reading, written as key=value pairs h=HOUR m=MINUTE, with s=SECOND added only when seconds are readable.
h=5 m=37
